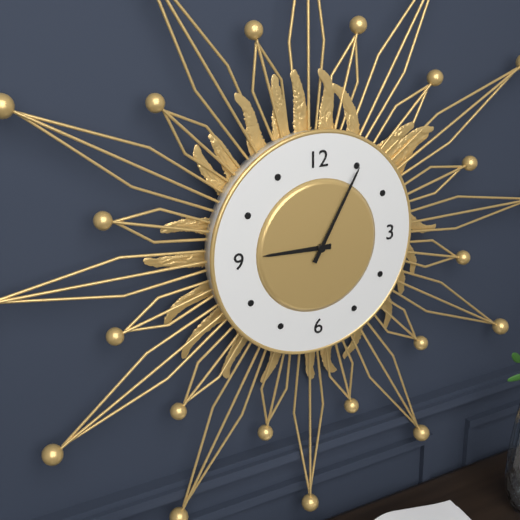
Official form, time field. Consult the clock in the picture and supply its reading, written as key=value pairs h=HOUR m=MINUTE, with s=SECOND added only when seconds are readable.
h=9 m=5
